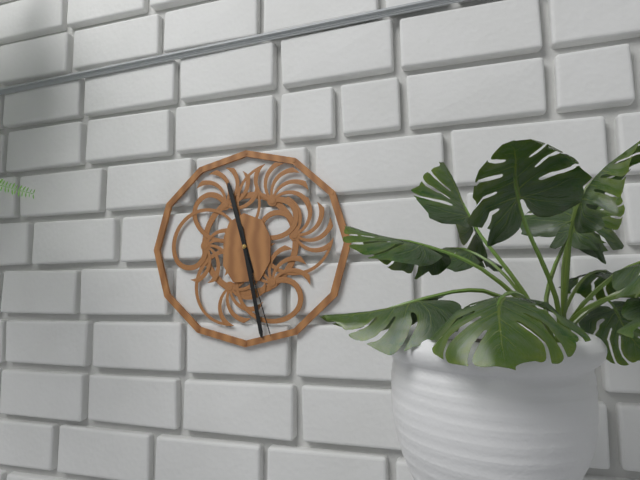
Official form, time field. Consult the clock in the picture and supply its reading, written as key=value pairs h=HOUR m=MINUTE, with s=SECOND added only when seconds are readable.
h=11 m=28 s=27
